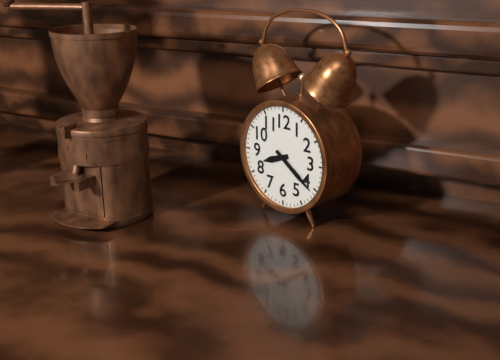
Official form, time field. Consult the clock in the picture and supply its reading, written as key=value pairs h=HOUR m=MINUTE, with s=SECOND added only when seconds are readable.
h=8 m=21
